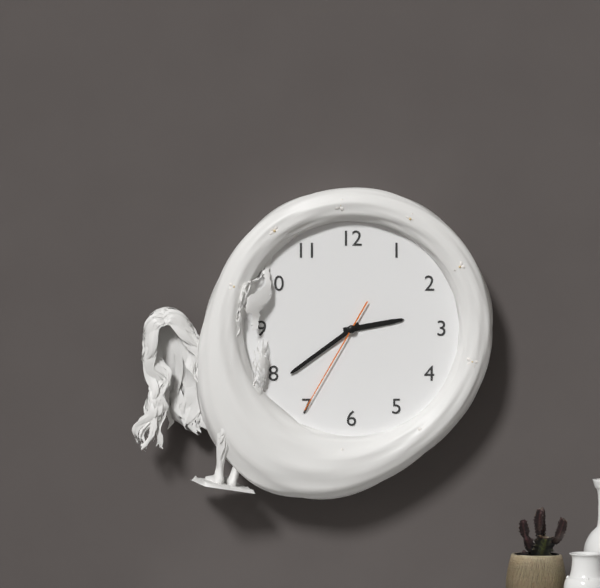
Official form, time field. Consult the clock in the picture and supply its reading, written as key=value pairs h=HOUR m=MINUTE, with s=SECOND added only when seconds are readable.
h=2 m=39 s=35
